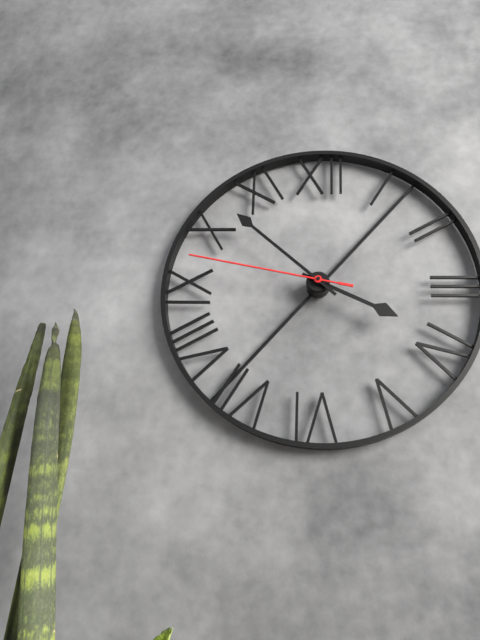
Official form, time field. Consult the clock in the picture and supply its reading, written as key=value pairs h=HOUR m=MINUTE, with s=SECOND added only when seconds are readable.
h=3 m=52 s=47
